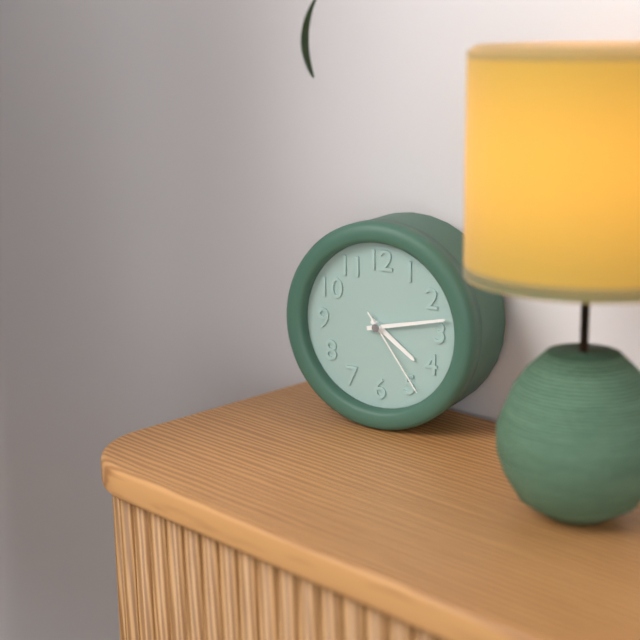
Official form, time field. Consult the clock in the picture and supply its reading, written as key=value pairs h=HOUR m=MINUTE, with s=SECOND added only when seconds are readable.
h=4 m=13 s=24
